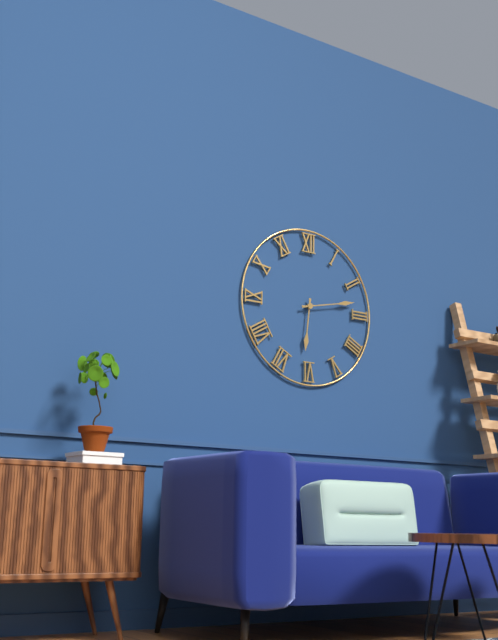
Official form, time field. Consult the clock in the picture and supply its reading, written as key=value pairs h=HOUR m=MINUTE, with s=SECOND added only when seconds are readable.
h=6 m=13
